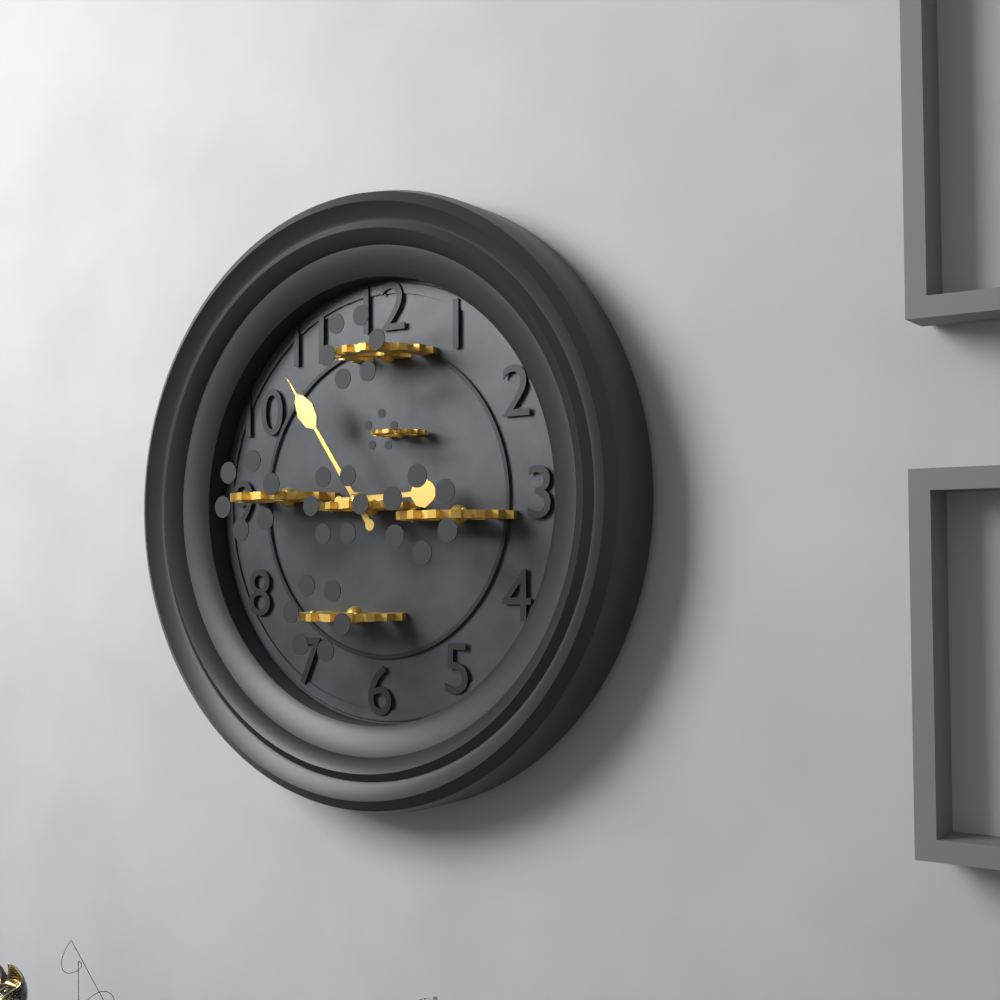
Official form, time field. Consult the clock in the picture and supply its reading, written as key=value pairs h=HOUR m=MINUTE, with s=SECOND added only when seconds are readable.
h=2 m=54
